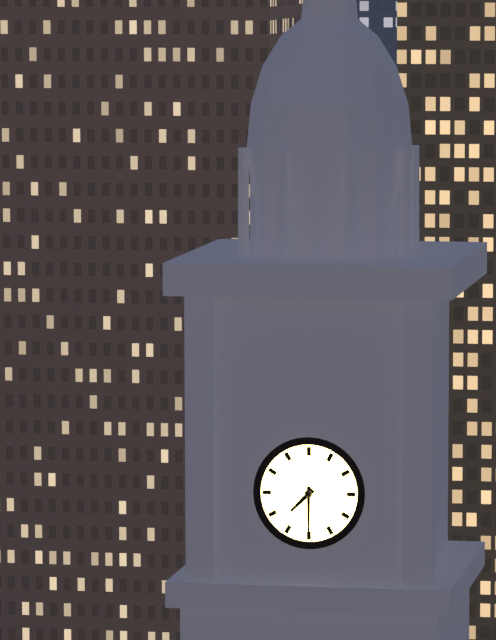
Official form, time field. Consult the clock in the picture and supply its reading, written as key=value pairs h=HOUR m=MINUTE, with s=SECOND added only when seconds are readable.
h=7 m=30
